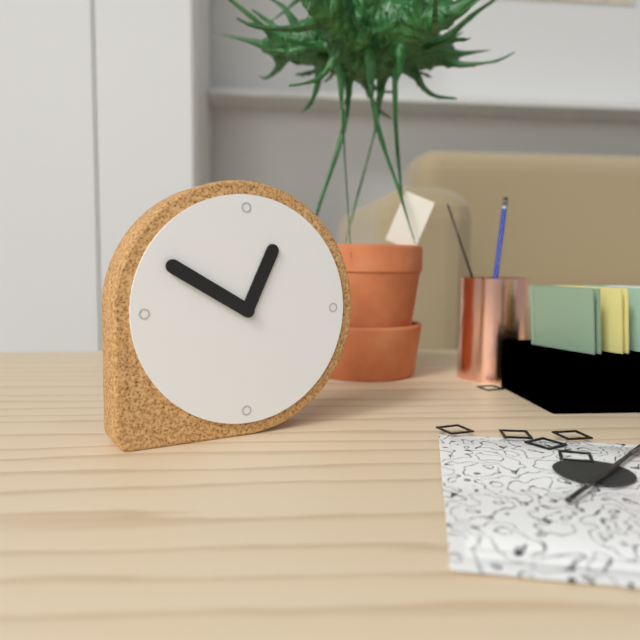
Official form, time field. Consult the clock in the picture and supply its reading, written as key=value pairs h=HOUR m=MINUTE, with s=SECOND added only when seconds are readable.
h=12 m=50
